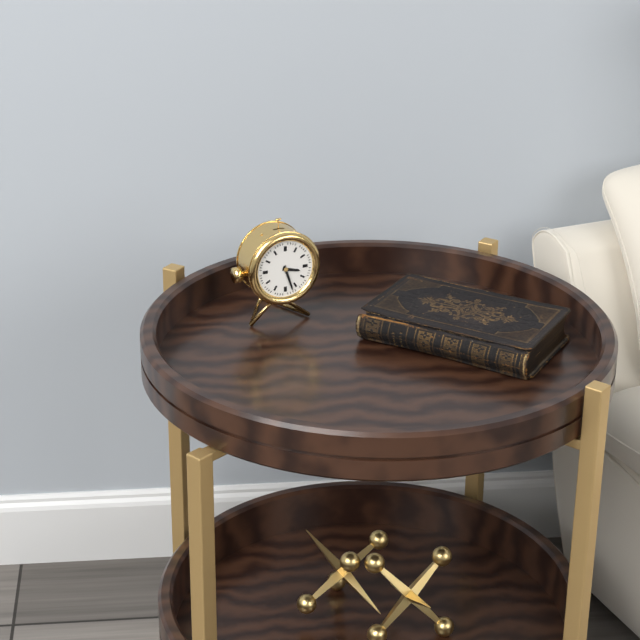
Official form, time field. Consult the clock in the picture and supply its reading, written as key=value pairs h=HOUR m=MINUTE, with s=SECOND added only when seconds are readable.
h=3 m=27
